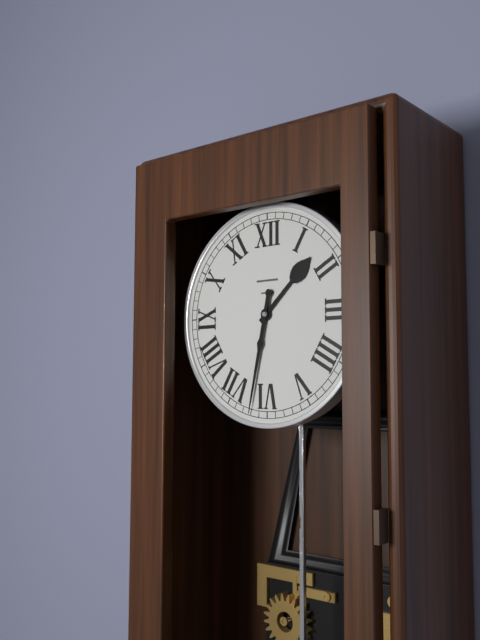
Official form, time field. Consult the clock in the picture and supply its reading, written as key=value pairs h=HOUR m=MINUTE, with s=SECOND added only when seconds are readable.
h=1 m=32
